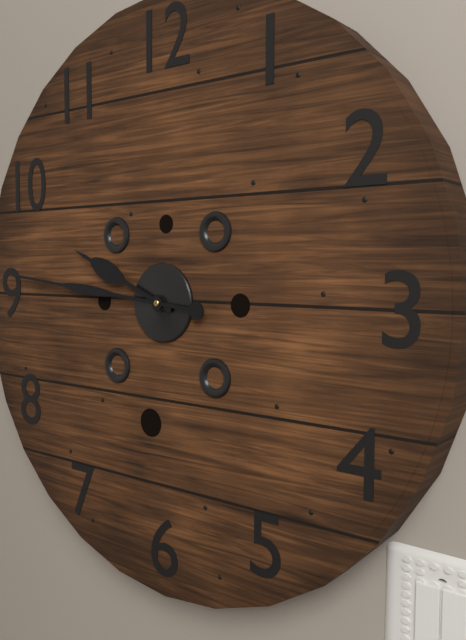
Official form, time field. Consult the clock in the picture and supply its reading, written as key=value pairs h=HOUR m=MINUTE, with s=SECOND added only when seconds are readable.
h=9 m=46
